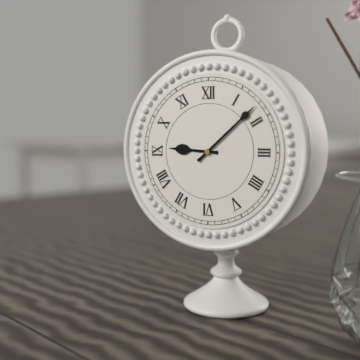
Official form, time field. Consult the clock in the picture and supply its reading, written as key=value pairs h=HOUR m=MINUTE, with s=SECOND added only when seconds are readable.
h=9 m=8
